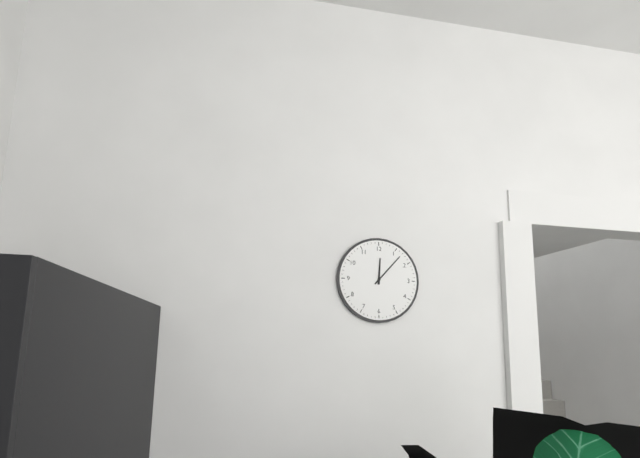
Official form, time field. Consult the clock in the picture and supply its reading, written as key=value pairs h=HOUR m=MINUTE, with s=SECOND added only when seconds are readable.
h=12 m=7
